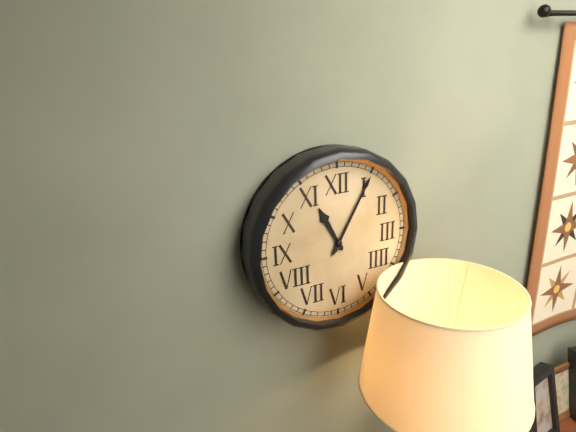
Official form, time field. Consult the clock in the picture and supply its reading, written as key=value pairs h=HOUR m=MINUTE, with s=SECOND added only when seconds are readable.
h=11 m=5
